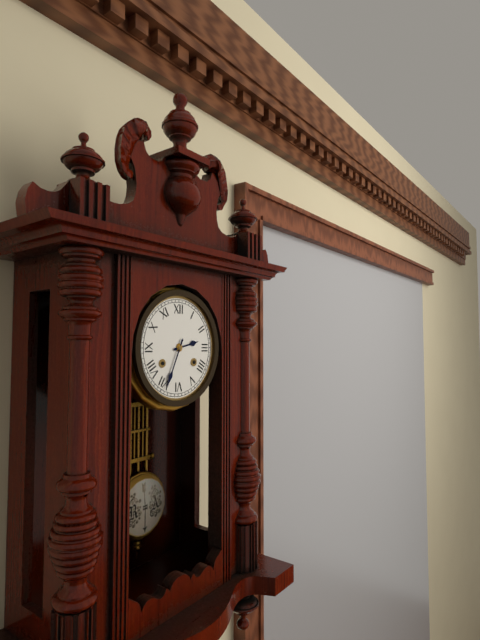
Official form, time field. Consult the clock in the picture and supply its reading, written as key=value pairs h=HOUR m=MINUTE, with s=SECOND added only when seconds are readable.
h=2 m=34
